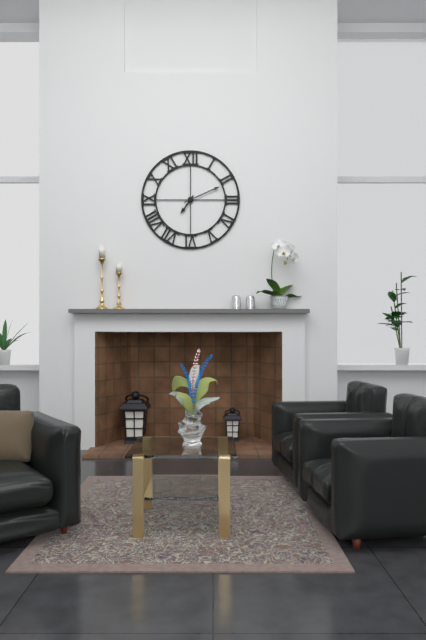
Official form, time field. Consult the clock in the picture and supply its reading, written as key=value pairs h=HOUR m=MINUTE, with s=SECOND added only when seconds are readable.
h=7 m=11
